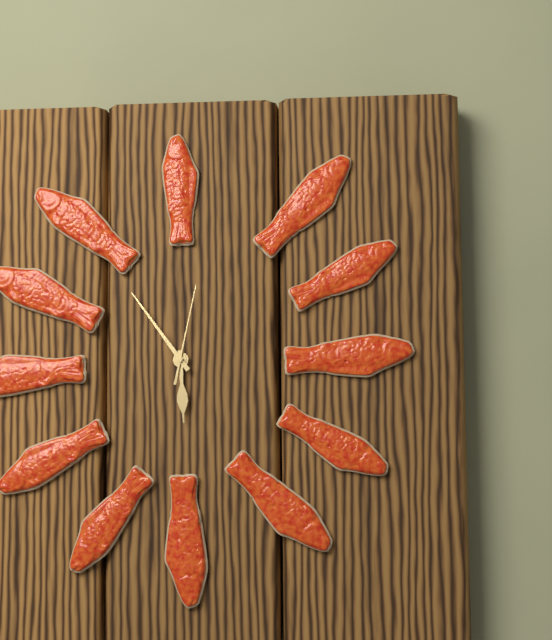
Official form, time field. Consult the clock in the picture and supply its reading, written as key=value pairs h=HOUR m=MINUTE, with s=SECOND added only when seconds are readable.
h=5 m=54 s=2
